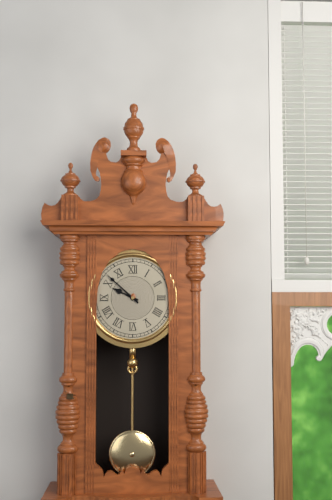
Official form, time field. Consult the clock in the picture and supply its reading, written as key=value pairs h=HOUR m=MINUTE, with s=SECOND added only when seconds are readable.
h=9 m=52
